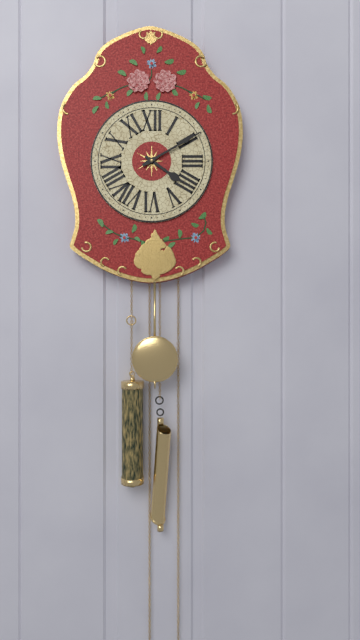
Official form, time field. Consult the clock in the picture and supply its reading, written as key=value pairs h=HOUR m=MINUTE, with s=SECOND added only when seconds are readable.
h=4 m=10
